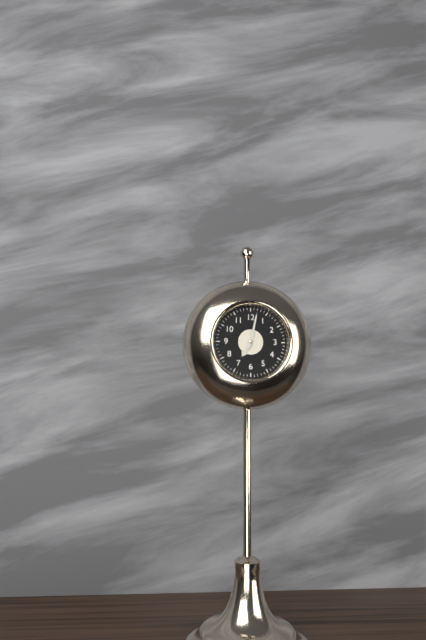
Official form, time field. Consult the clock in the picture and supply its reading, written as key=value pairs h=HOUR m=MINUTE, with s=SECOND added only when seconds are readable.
h=7 m=2
